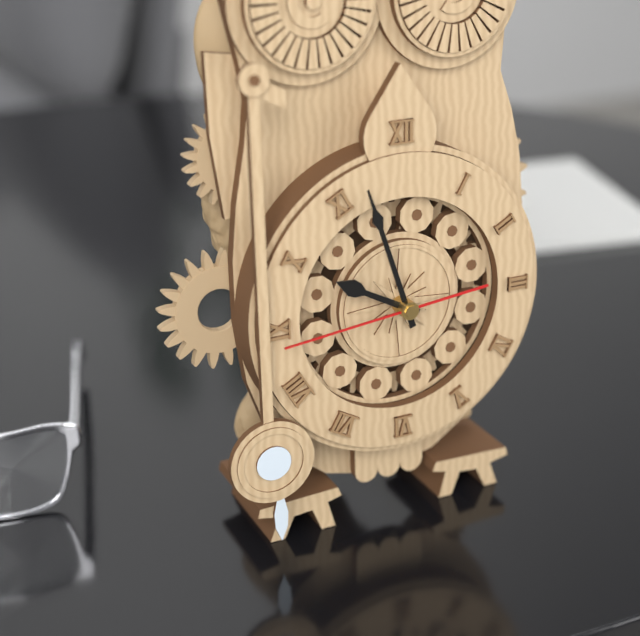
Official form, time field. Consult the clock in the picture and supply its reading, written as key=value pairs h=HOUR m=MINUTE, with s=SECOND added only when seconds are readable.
h=9 m=57 s=44
